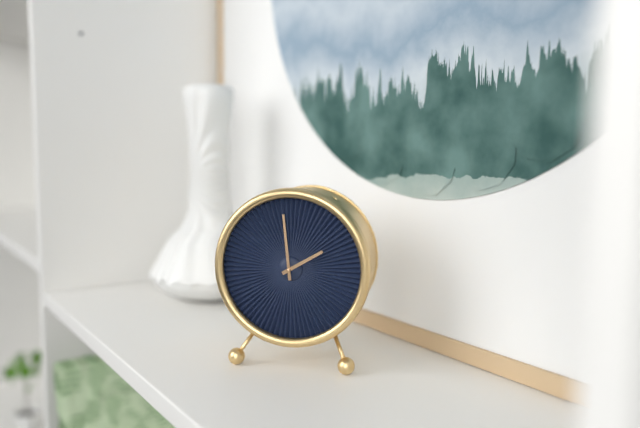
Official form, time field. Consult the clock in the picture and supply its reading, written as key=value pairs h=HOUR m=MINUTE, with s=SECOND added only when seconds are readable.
h=1 m=59
